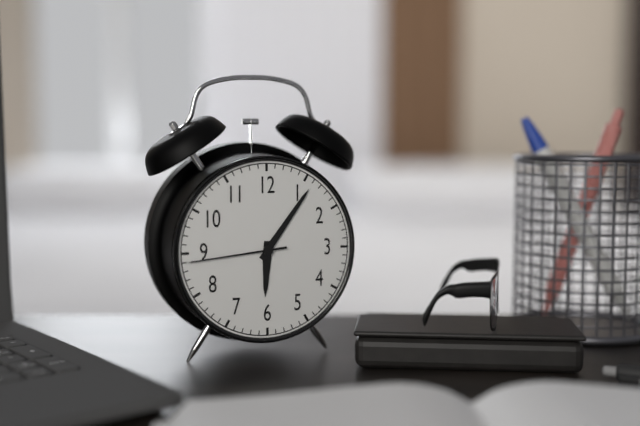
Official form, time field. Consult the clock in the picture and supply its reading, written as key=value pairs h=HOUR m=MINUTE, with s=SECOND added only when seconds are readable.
h=6 m=6 s=44
